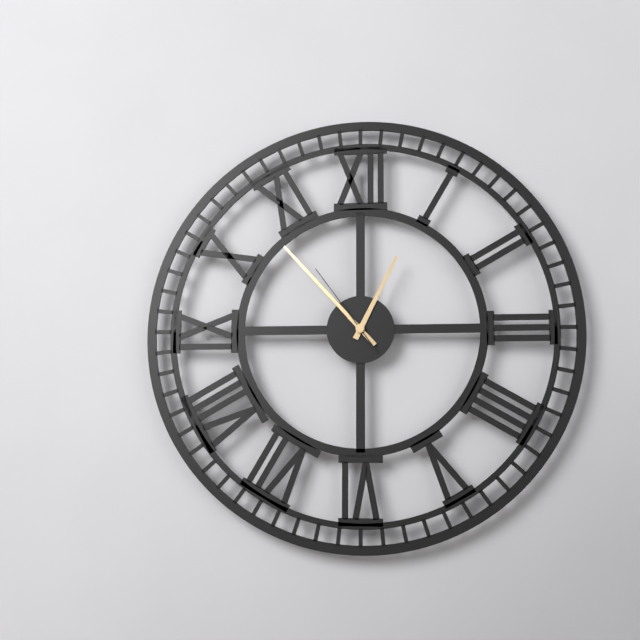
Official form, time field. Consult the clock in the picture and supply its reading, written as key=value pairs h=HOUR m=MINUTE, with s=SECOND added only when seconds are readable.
h=12 m=53 s=54
